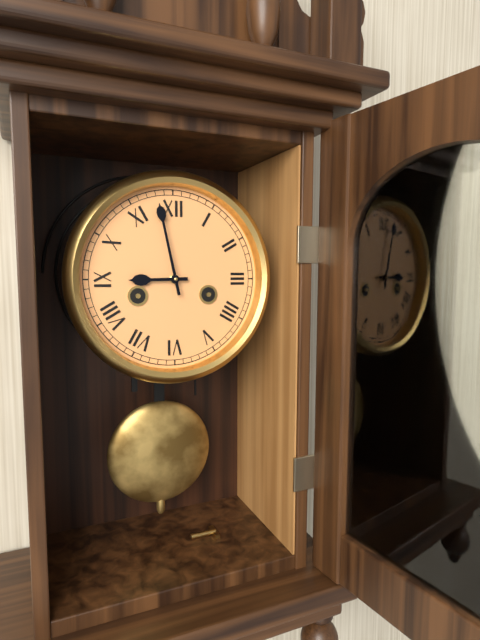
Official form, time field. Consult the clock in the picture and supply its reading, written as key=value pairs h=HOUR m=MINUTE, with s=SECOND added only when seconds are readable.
h=8 m=58
